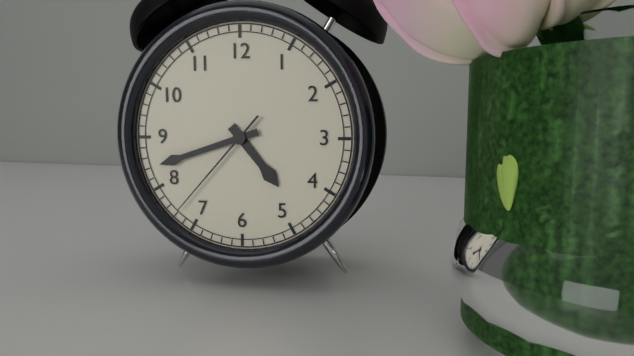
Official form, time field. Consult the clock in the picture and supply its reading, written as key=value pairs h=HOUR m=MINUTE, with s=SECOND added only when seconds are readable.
h=4 m=42 s=37
